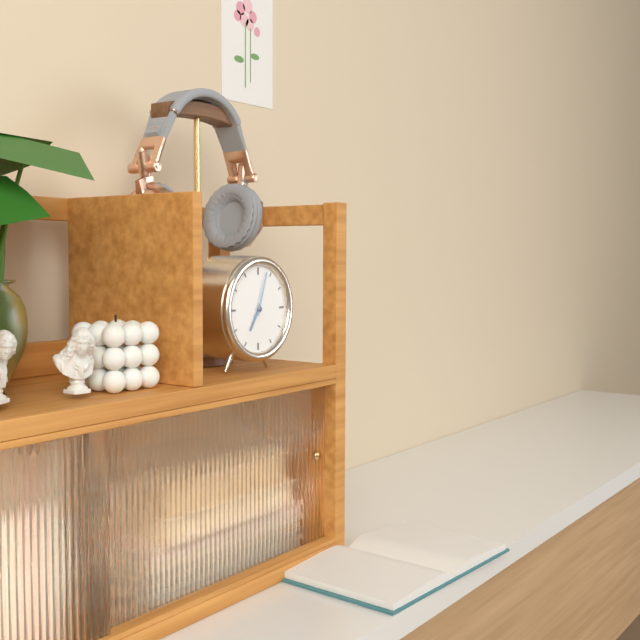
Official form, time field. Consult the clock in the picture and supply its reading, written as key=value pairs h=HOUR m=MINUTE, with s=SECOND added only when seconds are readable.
h=7 m=3
